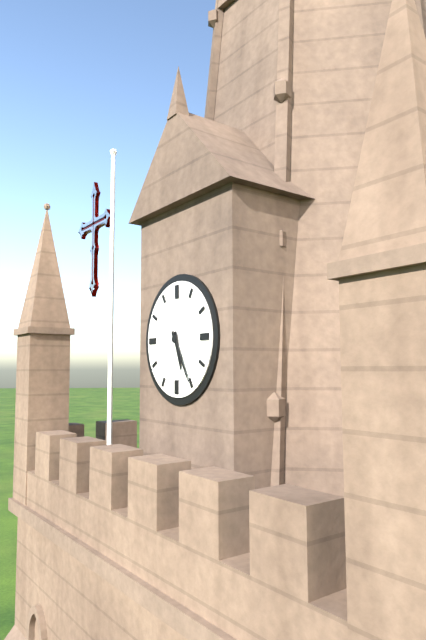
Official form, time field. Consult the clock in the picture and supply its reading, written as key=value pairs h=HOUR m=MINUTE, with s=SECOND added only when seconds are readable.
h=5 m=25
